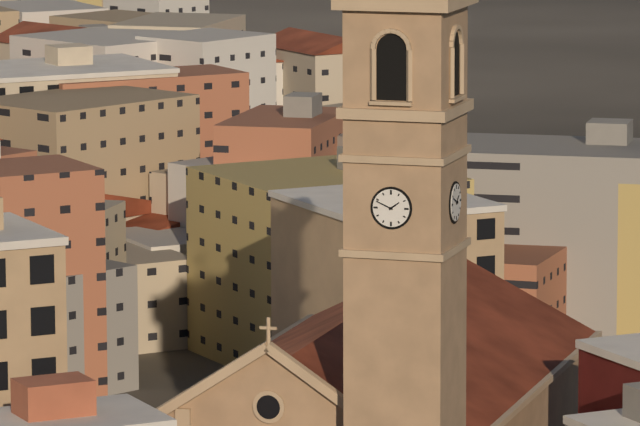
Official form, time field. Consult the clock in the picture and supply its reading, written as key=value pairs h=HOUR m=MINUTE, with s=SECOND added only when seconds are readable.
h=1 m=49
